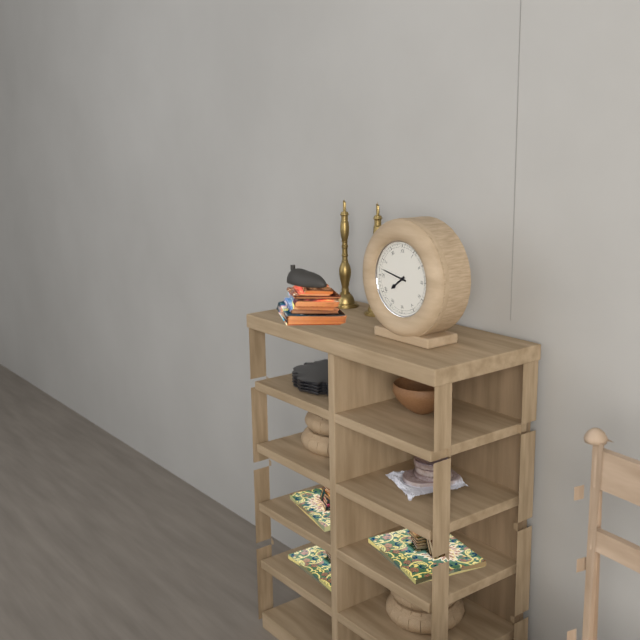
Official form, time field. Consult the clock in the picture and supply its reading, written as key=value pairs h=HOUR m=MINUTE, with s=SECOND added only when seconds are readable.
h=7 m=47
